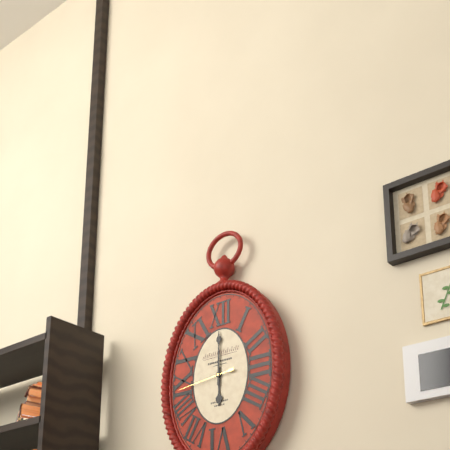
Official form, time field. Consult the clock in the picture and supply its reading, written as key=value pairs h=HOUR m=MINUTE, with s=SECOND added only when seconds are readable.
h=6 m=0 s=44
